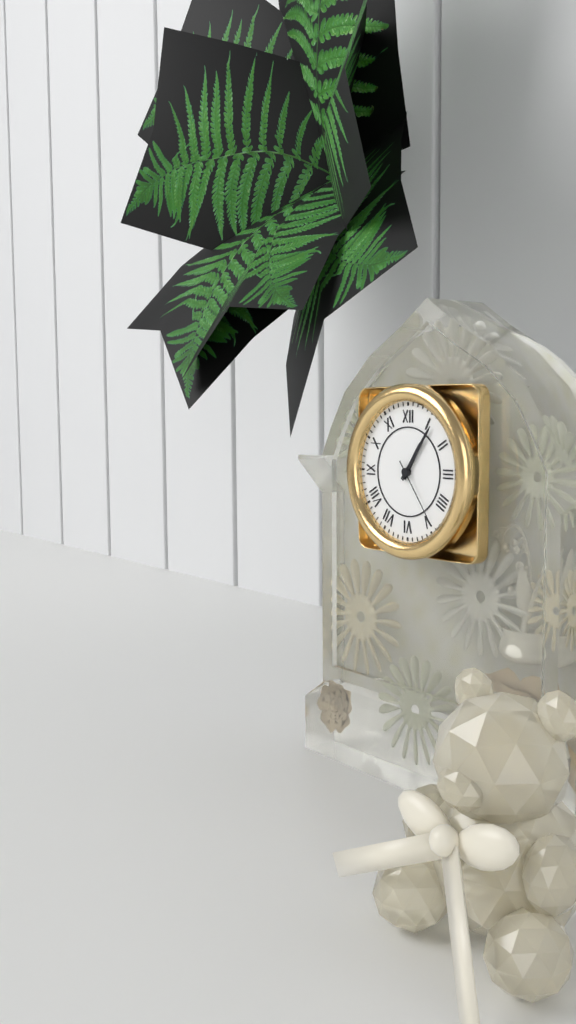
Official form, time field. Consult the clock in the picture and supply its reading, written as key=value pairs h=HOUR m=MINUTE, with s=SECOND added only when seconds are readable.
h=1 m=6 s=24
